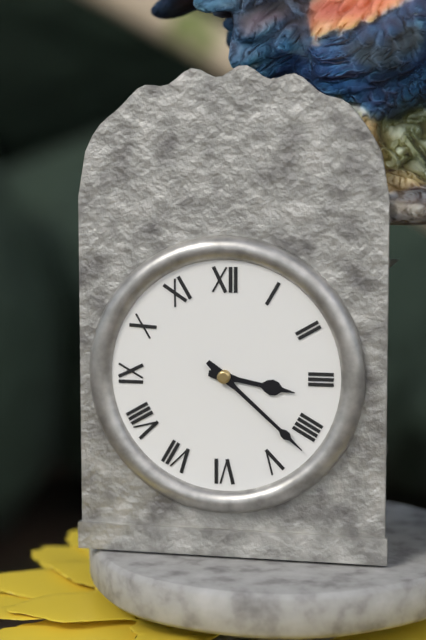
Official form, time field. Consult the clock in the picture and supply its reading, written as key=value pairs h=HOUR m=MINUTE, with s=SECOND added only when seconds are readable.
h=3 m=22
